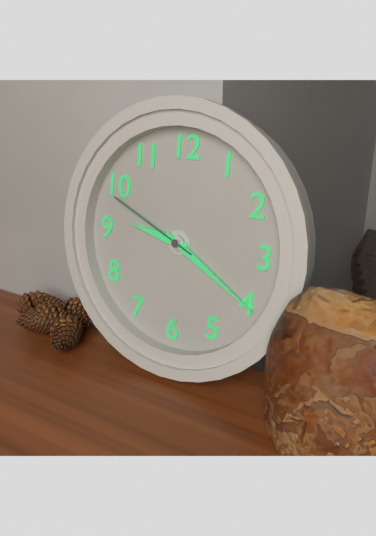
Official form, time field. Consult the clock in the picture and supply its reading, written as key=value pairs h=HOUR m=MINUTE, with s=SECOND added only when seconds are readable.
h=9 m=20 s=49
